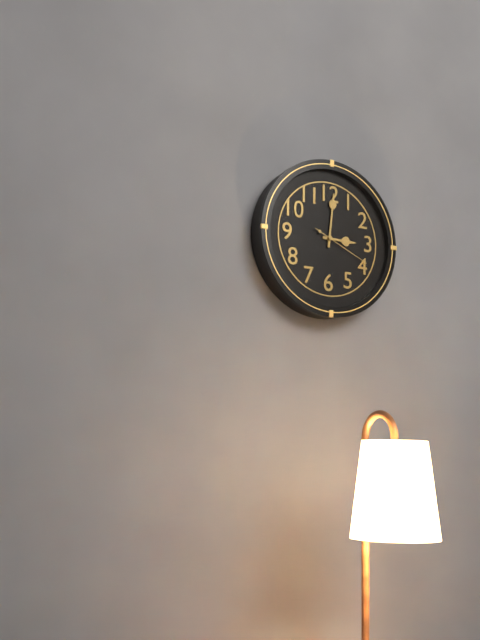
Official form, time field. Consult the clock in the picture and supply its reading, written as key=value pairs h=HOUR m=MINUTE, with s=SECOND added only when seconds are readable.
h=3 m=1 s=19
